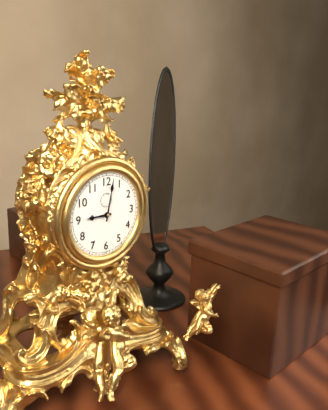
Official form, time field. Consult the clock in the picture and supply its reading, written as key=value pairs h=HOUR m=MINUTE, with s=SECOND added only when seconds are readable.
h=9 m=2
